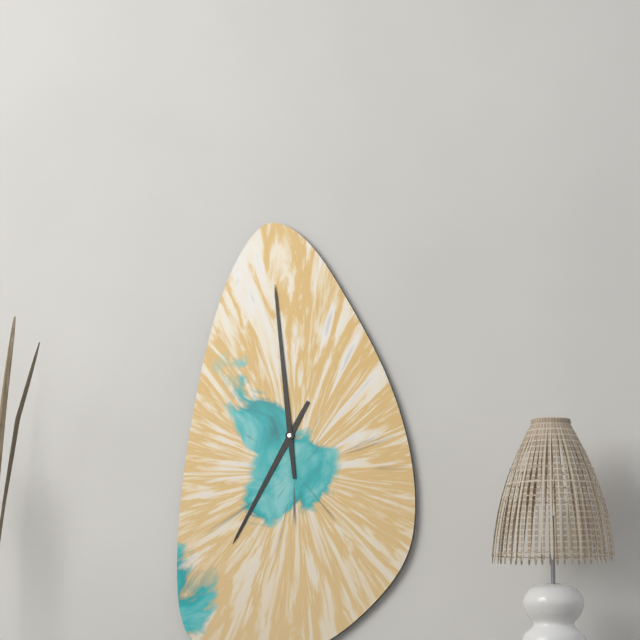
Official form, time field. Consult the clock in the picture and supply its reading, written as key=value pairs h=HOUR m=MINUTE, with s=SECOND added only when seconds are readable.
h=6 m=59
